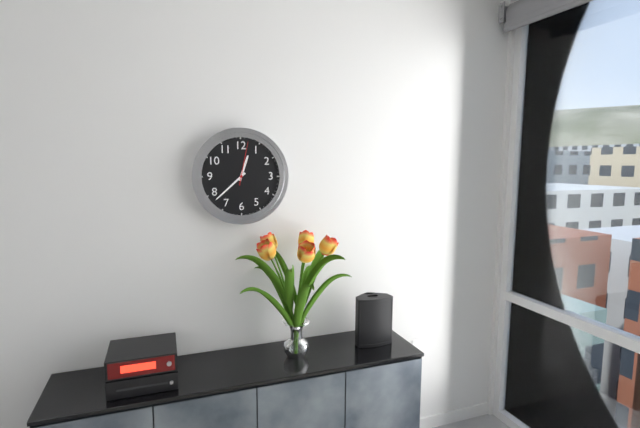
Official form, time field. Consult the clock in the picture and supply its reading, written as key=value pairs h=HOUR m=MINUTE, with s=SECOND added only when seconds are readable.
h=12 m=38
